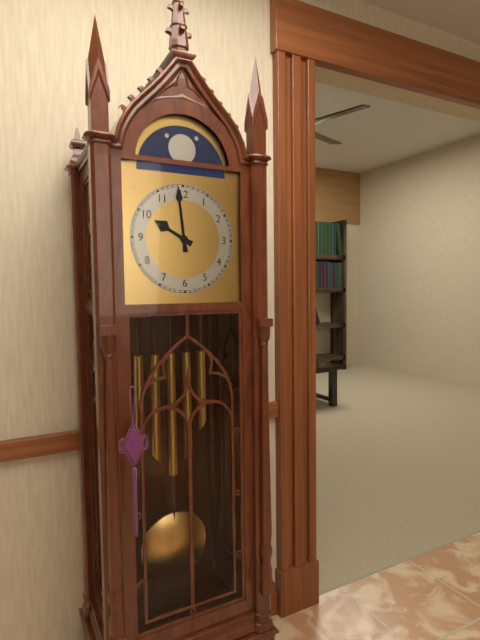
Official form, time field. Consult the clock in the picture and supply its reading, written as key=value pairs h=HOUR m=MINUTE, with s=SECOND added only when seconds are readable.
h=9 m=59
